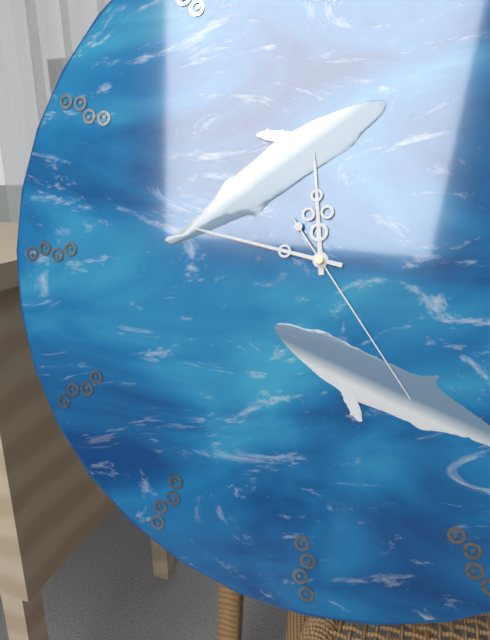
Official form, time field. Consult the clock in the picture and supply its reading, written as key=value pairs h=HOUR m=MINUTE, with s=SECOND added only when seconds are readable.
h=11 m=47 s=24
